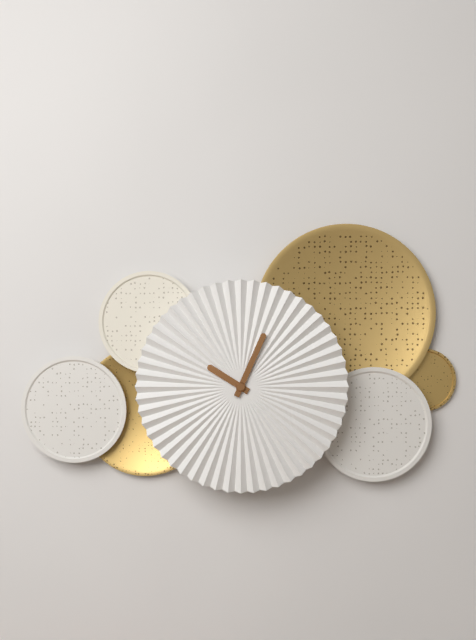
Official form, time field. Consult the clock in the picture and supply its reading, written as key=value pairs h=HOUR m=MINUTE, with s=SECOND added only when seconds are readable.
h=10 m=4
